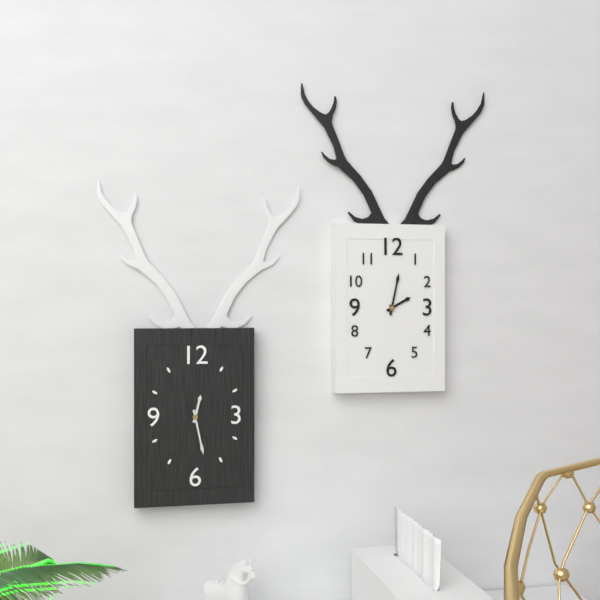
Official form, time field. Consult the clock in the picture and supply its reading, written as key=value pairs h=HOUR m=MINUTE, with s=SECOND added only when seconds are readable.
h=12 m=28
